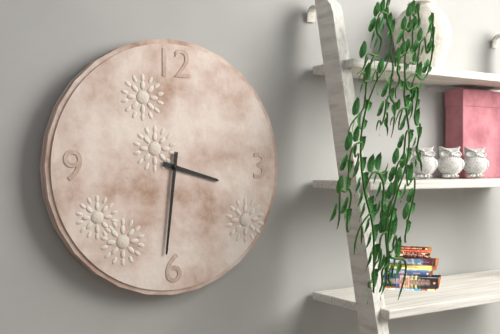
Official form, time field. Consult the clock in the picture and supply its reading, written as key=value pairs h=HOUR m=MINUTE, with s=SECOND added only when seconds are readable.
h=3 m=31
